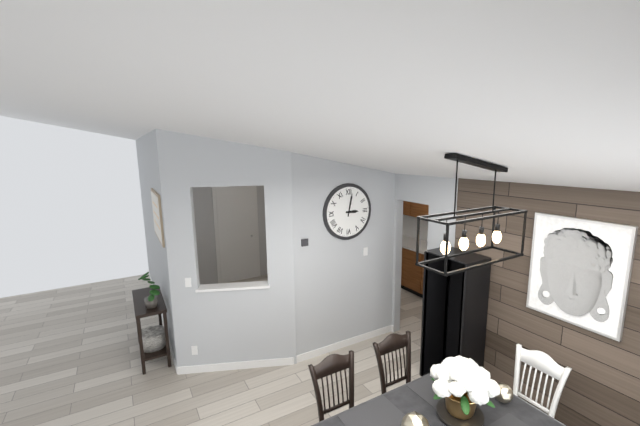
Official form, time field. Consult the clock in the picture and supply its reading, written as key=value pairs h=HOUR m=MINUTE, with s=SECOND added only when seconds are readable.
h=3 m=2
